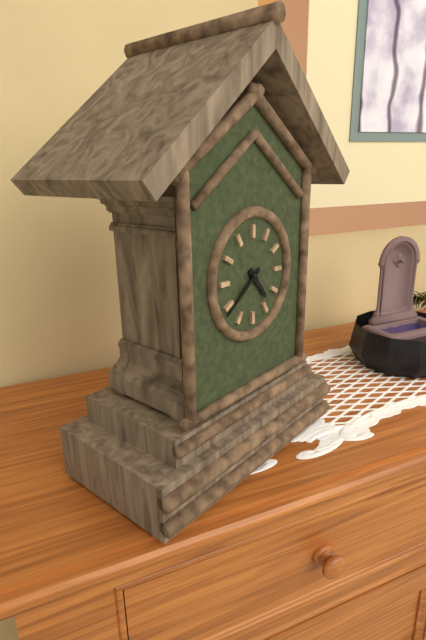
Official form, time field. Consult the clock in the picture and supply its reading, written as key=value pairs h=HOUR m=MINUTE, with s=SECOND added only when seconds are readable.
h=4 m=39
